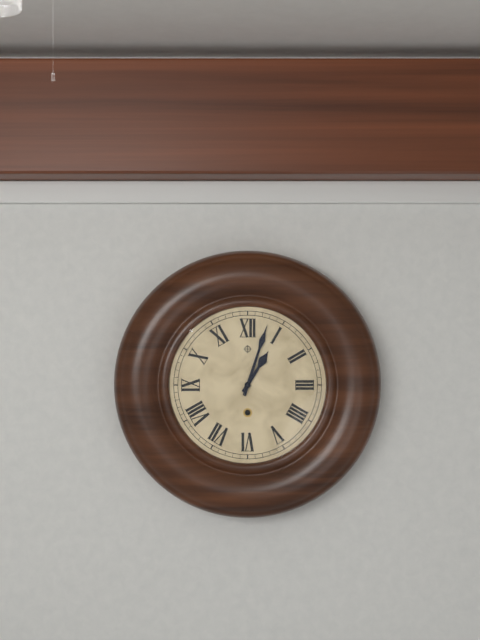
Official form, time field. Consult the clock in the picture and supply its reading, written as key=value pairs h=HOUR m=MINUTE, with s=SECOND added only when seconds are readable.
h=1 m=3
